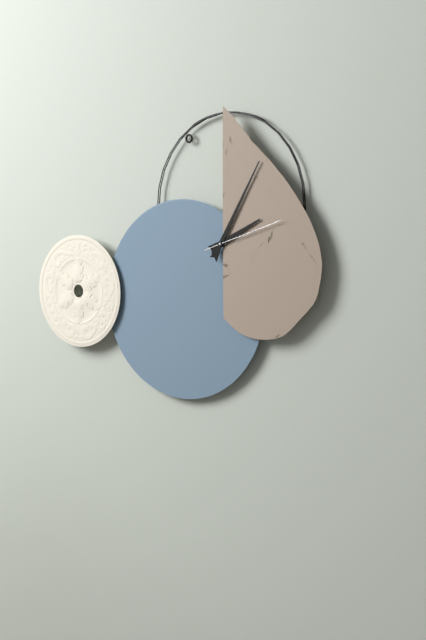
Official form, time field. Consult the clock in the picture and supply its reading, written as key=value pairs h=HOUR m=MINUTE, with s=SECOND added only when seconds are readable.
h=2 m=5 s=12
